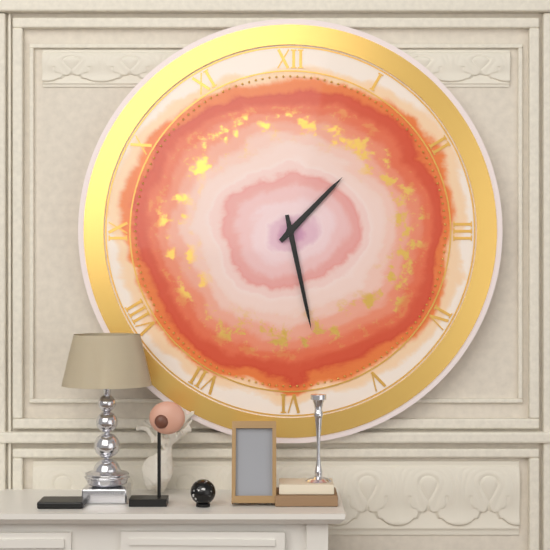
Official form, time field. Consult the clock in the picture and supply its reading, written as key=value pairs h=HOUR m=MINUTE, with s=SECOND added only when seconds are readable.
h=1 m=28
